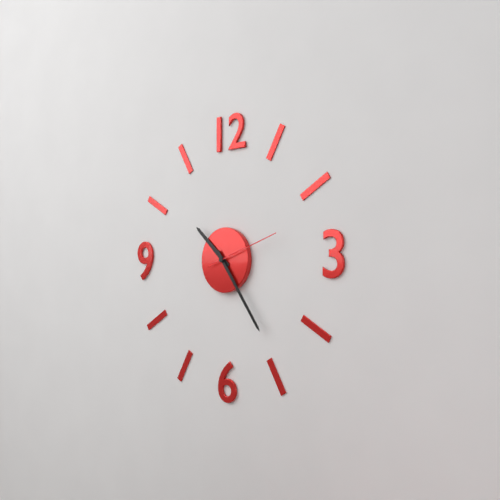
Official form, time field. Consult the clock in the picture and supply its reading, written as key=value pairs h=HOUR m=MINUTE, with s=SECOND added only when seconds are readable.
h=10 m=24 s=12
